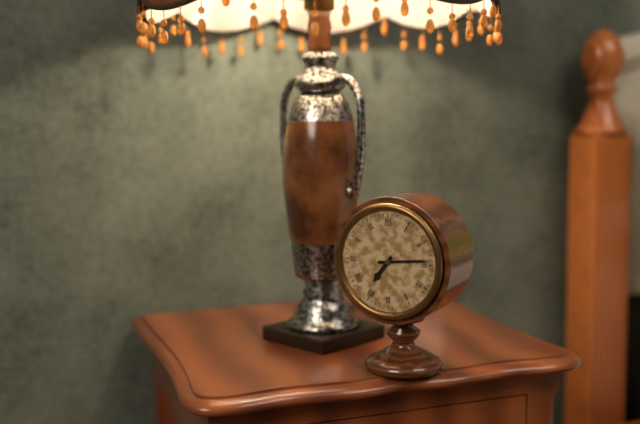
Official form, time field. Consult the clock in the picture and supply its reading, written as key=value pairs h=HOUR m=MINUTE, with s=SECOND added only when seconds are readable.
h=7 m=14
